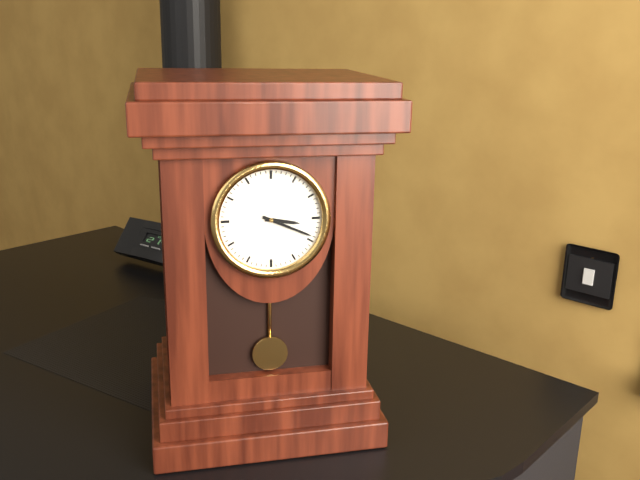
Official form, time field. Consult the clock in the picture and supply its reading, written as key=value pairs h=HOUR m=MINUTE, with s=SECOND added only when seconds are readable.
h=3 m=19
